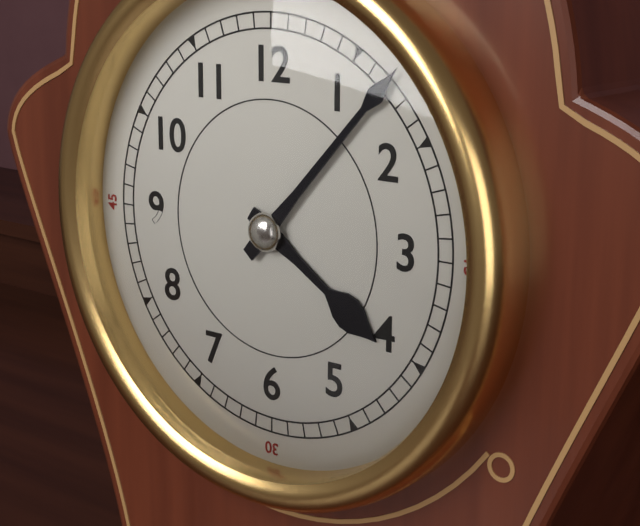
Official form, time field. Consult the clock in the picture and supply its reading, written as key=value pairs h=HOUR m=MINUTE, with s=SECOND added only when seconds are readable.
h=4 m=7
